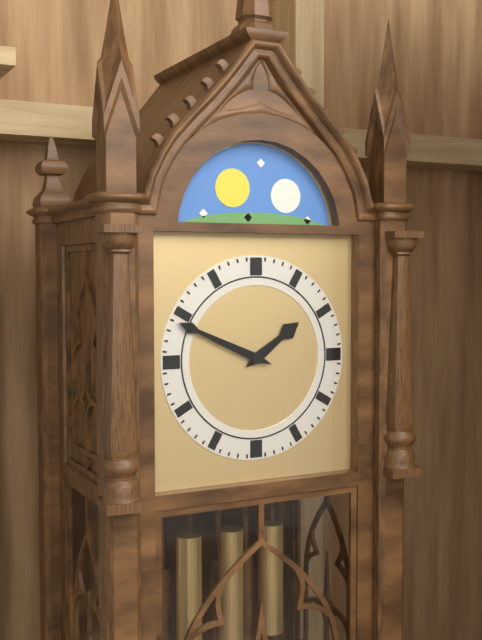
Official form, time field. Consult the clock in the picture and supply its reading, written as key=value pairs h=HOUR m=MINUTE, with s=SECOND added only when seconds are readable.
h=1 m=49
